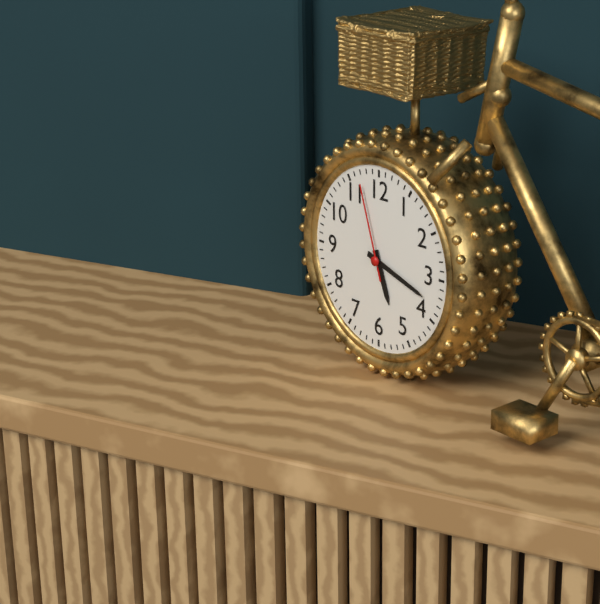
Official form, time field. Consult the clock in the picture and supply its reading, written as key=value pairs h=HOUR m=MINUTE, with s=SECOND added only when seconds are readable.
h=5 m=18 s=57
